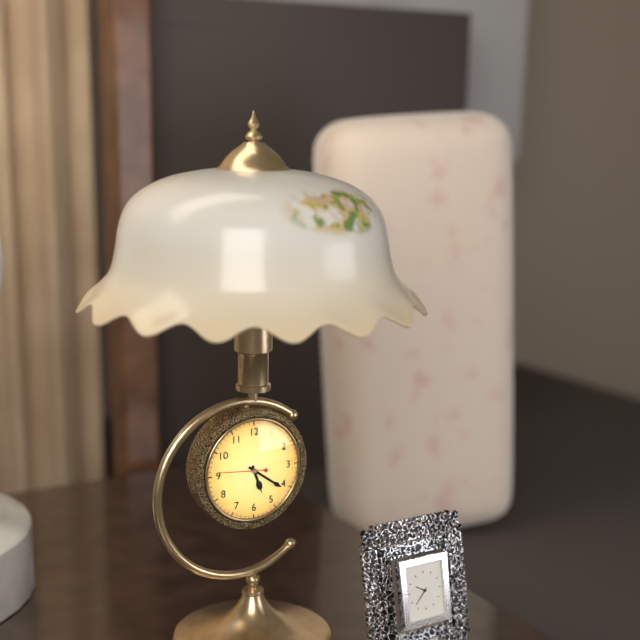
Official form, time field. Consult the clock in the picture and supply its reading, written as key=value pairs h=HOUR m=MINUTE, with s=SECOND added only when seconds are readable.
h=5 m=21
